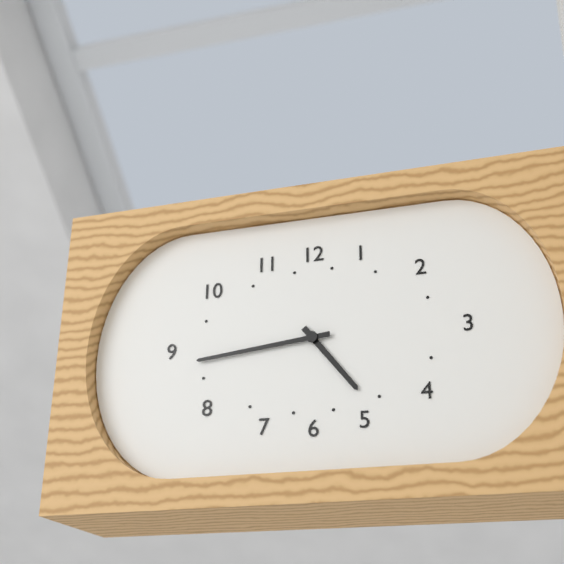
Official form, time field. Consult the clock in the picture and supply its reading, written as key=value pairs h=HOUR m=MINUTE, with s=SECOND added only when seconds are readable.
h=4 m=44
